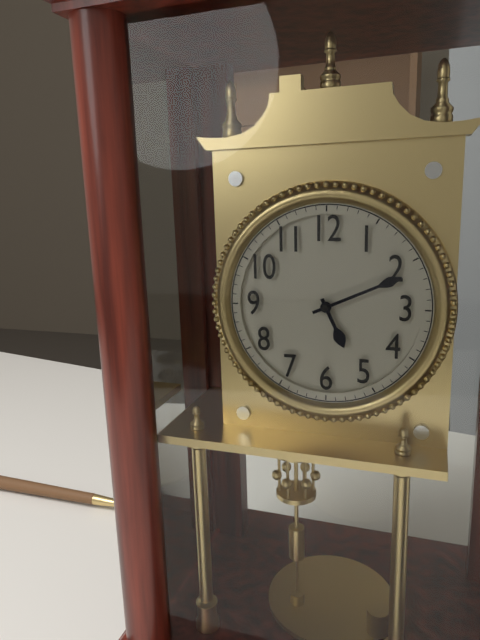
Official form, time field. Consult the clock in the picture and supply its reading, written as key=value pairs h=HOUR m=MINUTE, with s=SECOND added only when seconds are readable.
h=5 m=11
